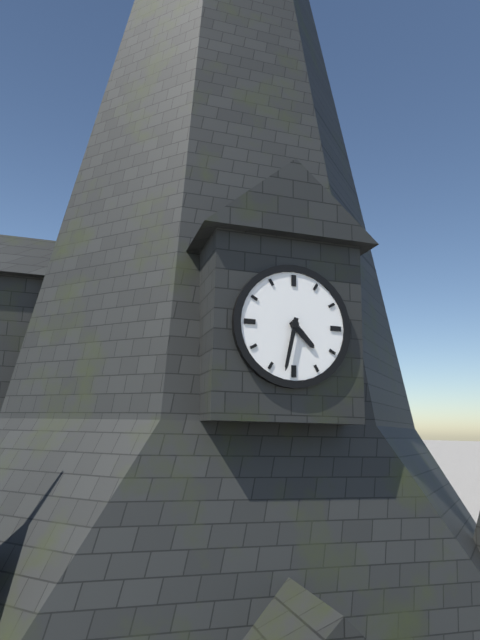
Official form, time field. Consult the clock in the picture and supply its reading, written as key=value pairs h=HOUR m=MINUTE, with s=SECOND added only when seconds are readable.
h=4 m=32
